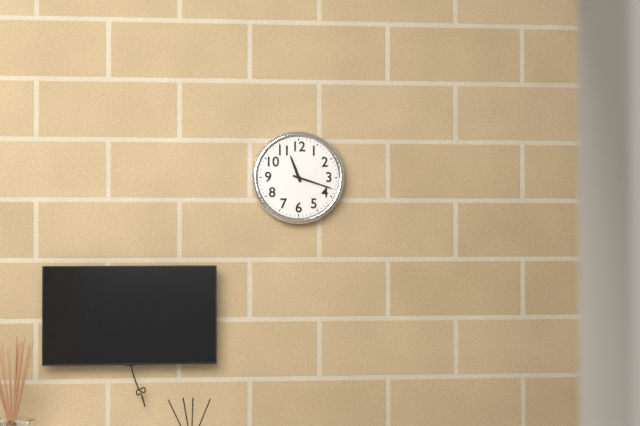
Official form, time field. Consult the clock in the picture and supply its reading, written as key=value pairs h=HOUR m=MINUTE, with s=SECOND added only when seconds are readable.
h=11 m=18
